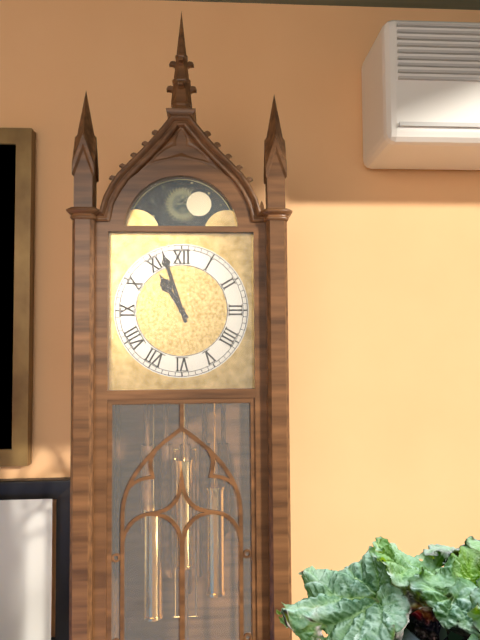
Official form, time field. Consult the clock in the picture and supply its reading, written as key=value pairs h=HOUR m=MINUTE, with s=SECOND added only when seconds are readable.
h=10 m=57
